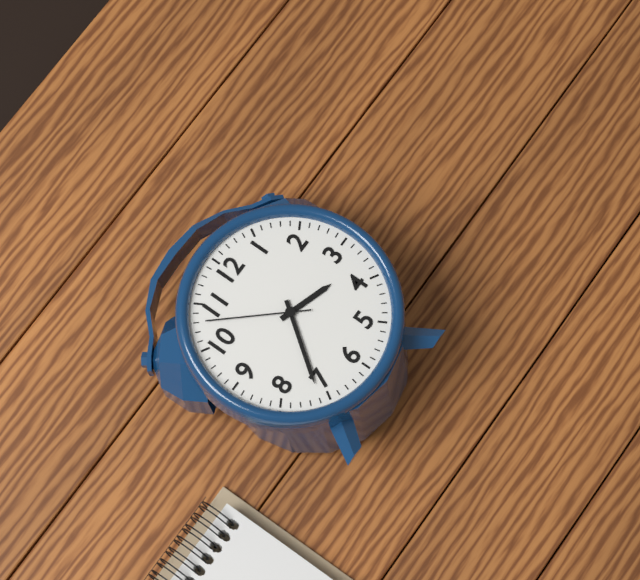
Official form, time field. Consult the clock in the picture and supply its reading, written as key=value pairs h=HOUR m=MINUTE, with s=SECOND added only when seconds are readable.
h=3 m=36 s=53
